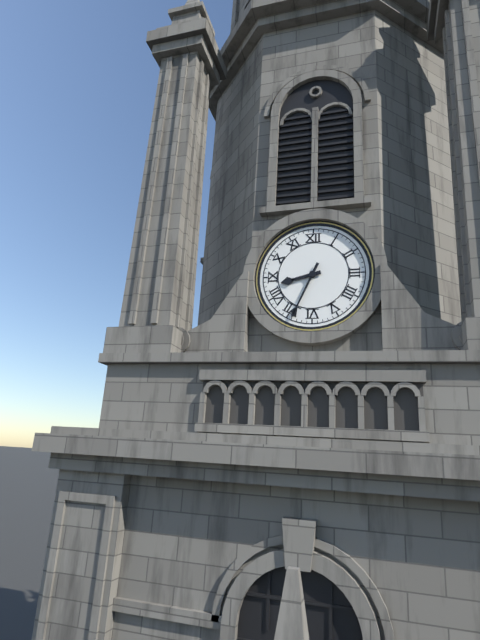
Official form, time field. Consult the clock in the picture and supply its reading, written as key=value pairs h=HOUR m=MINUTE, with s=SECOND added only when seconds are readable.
h=8 m=34
